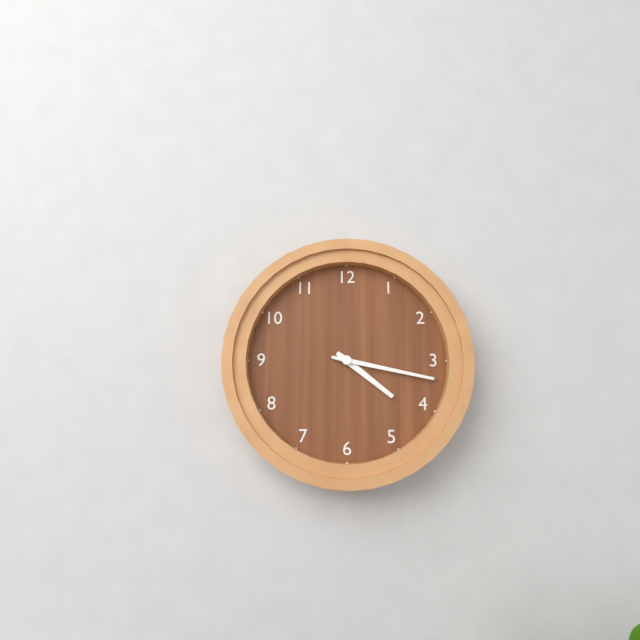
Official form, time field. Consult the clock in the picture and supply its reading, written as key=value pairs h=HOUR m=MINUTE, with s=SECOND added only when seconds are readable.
h=4 m=17
